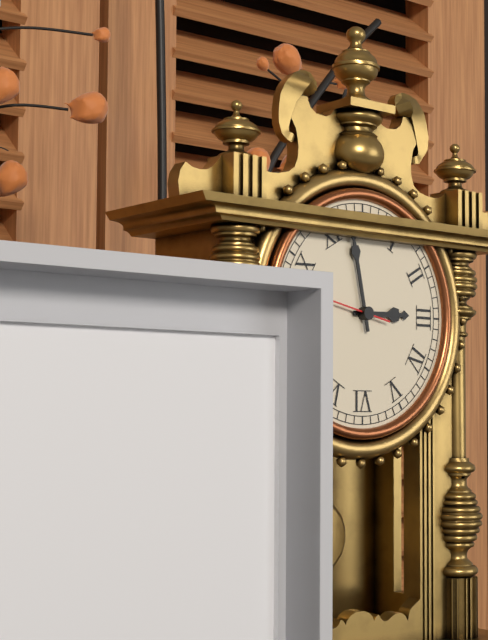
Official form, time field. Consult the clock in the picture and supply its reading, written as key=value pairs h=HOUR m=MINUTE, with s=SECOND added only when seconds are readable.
h=2 m=58
